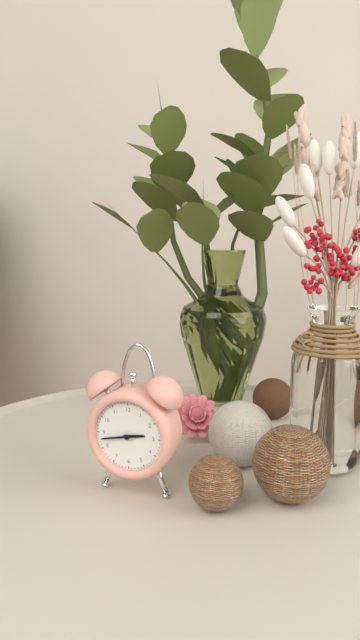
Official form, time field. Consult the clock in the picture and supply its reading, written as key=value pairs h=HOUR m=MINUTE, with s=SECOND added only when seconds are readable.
h=2 m=43
